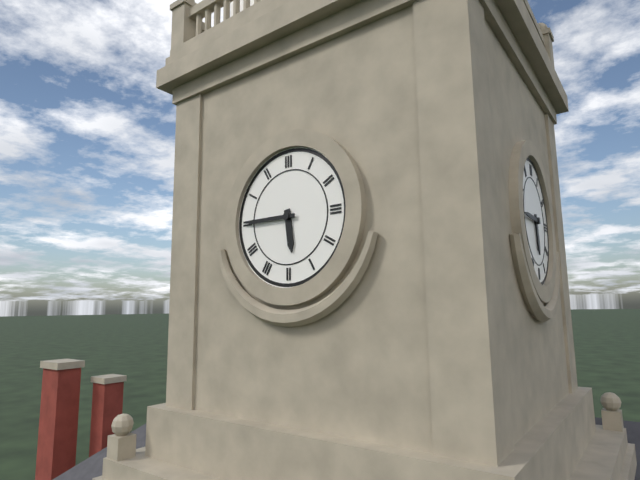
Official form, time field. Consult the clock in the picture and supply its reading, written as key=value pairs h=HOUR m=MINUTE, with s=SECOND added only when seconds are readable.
h=5 m=45
